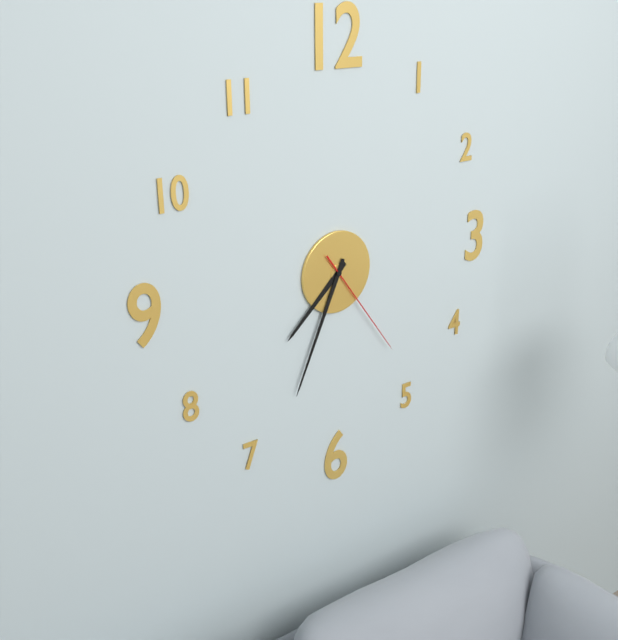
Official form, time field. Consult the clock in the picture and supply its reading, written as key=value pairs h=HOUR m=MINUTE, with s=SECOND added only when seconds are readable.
h=7 m=34 s=24
